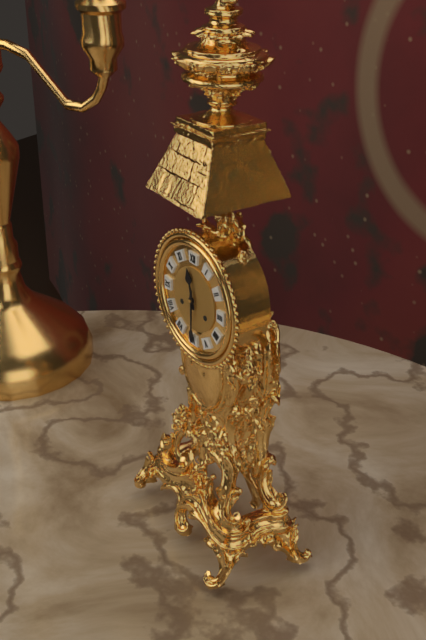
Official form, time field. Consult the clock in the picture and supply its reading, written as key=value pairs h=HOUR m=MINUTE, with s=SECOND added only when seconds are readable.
h=11 m=30
